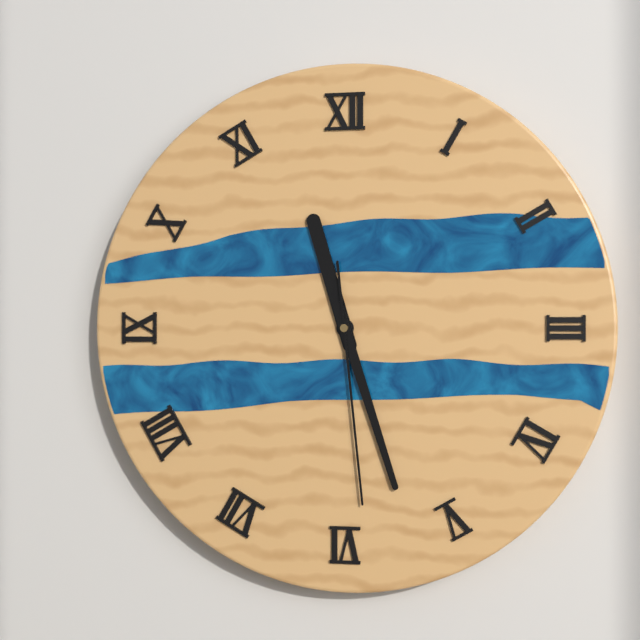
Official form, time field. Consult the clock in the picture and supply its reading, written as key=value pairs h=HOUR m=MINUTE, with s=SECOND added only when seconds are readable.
h=11 m=27 s=29
